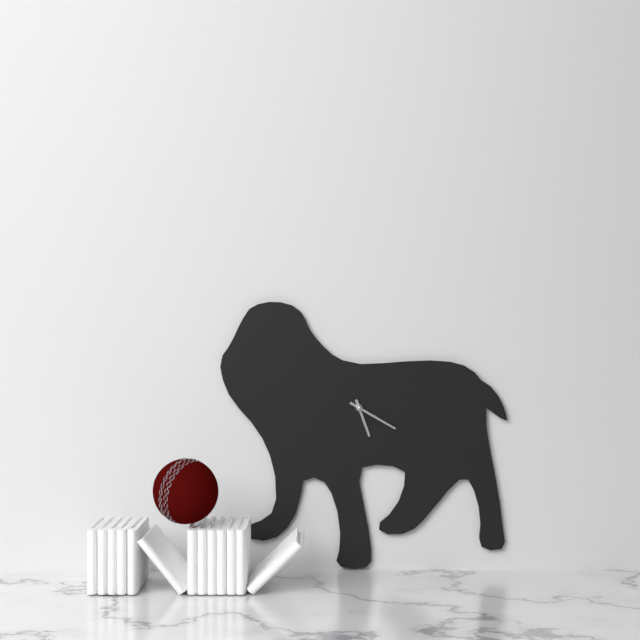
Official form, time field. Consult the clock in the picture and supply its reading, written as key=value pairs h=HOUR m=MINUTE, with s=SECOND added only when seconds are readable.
h=5 m=20
